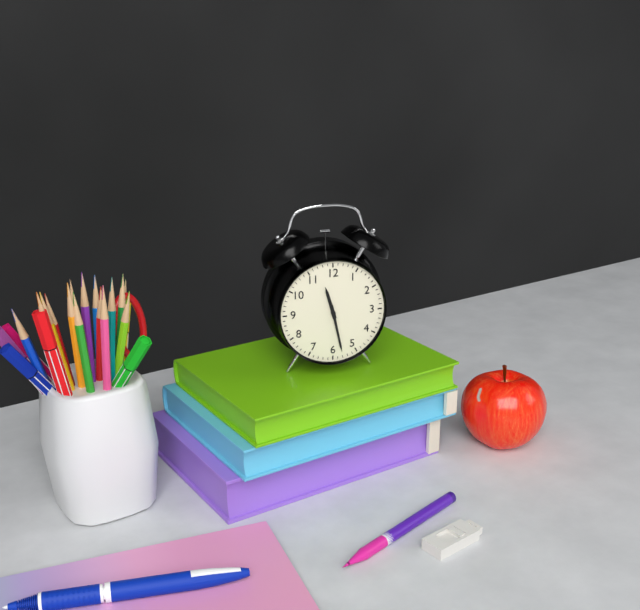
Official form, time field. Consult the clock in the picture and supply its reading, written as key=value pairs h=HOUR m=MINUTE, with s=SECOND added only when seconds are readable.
h=11 m=28
